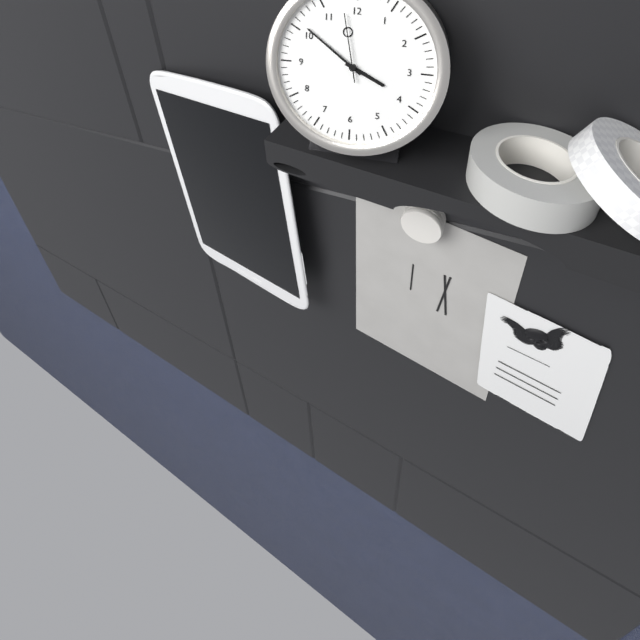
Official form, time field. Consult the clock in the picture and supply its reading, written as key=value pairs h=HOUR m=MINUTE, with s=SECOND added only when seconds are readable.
h=3 m=51 s=58
